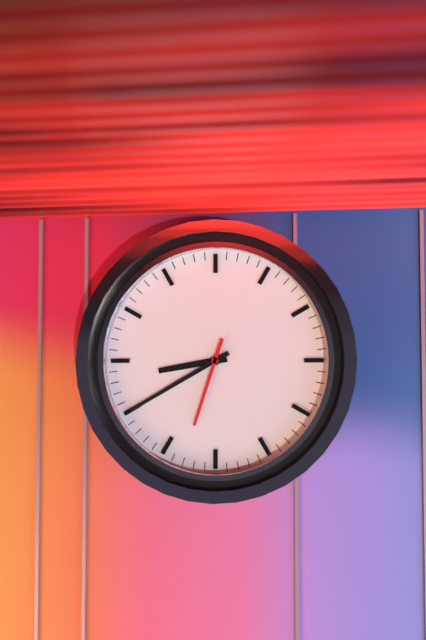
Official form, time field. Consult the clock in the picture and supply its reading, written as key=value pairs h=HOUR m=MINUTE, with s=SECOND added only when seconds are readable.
h=8 m=40 s=33
